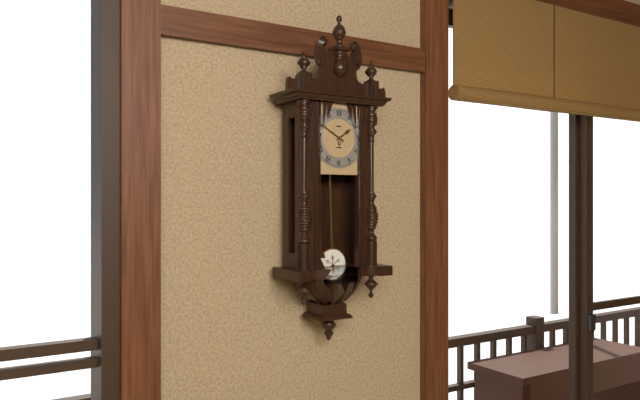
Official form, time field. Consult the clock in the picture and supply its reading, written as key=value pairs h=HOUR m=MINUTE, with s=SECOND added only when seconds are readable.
h=1 m=50
